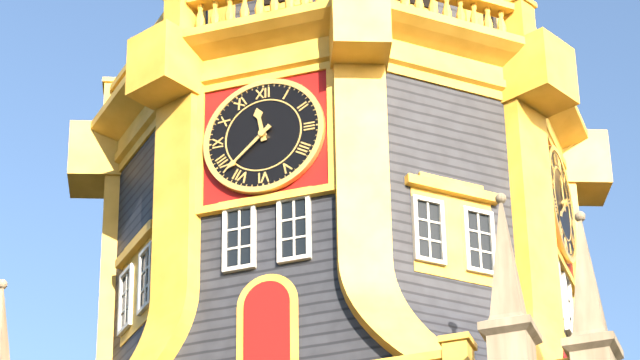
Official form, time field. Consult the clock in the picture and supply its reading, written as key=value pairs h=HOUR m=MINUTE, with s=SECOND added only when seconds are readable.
h=11 m=38
